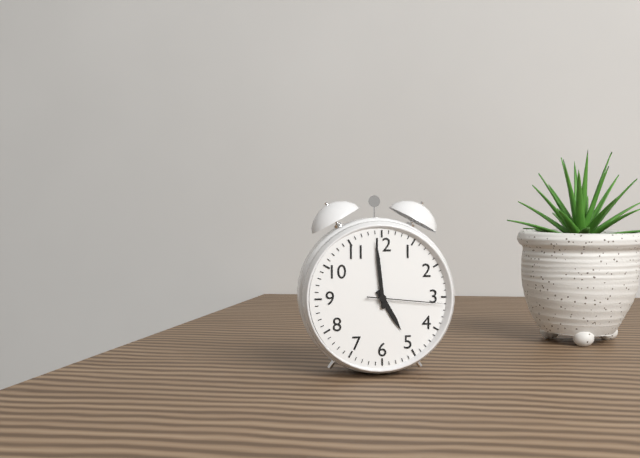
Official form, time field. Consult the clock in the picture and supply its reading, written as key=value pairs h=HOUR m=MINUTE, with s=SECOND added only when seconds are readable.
h=4 m=59 s=16
